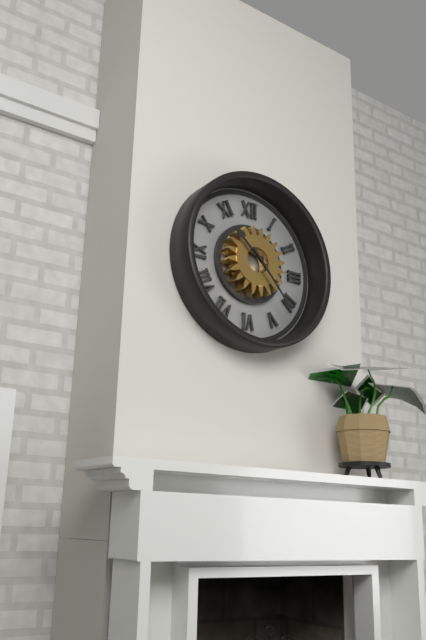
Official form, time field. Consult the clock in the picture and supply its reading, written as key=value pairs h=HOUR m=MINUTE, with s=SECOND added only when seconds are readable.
h=10 m=23
